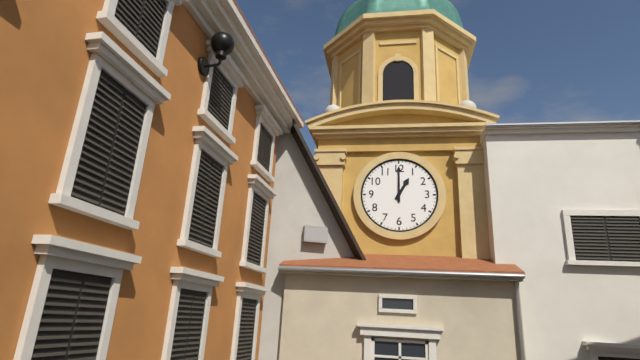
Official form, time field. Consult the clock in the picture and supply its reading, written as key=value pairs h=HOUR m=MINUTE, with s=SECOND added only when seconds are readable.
h=1 m=0
